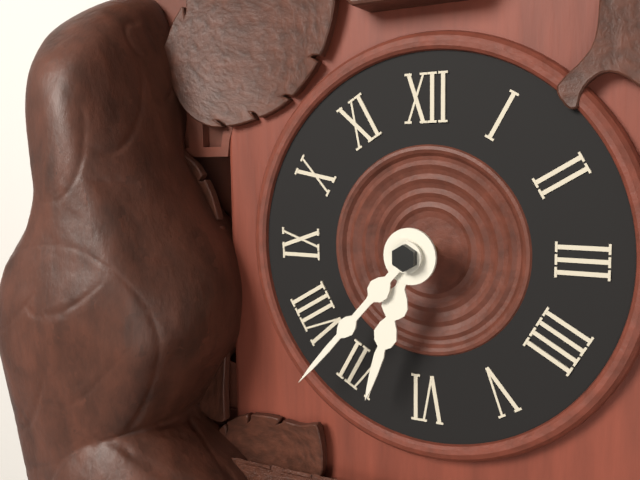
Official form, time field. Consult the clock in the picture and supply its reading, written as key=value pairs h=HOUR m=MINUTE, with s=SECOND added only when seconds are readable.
h=6 m=37
